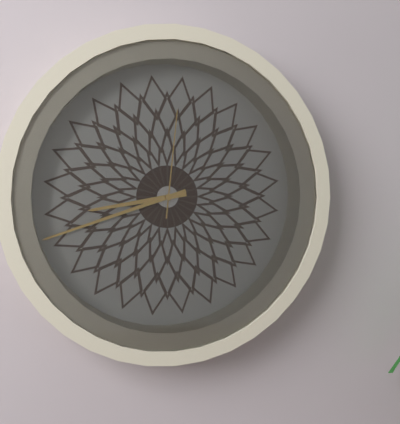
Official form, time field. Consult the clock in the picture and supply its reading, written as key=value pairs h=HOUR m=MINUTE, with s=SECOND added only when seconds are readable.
h=8 m=42 s=1
